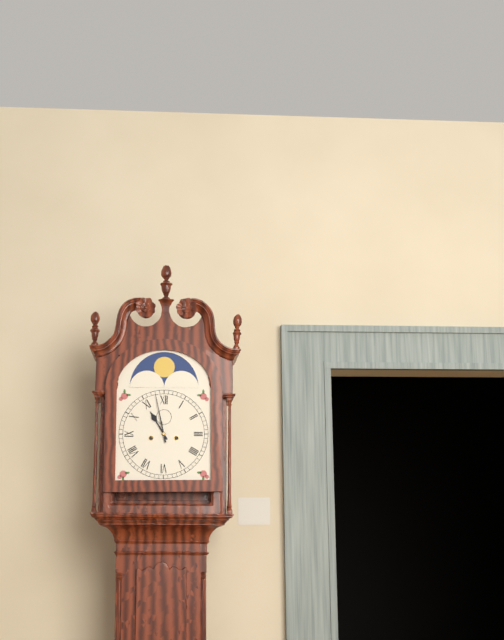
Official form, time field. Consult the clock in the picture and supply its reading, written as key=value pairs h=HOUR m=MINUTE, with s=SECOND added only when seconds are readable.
h=10 m=58
